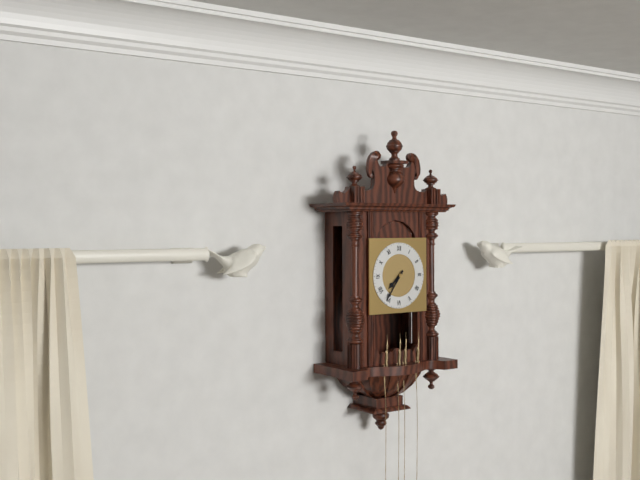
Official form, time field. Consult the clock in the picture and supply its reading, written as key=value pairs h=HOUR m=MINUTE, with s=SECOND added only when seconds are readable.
h=7 m=36
